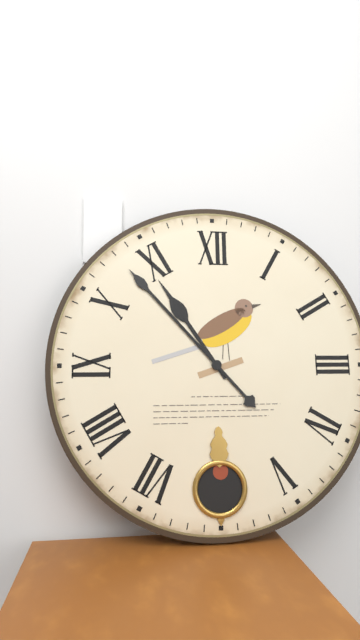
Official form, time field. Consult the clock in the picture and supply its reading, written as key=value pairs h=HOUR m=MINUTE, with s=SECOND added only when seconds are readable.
h=10 m=53
